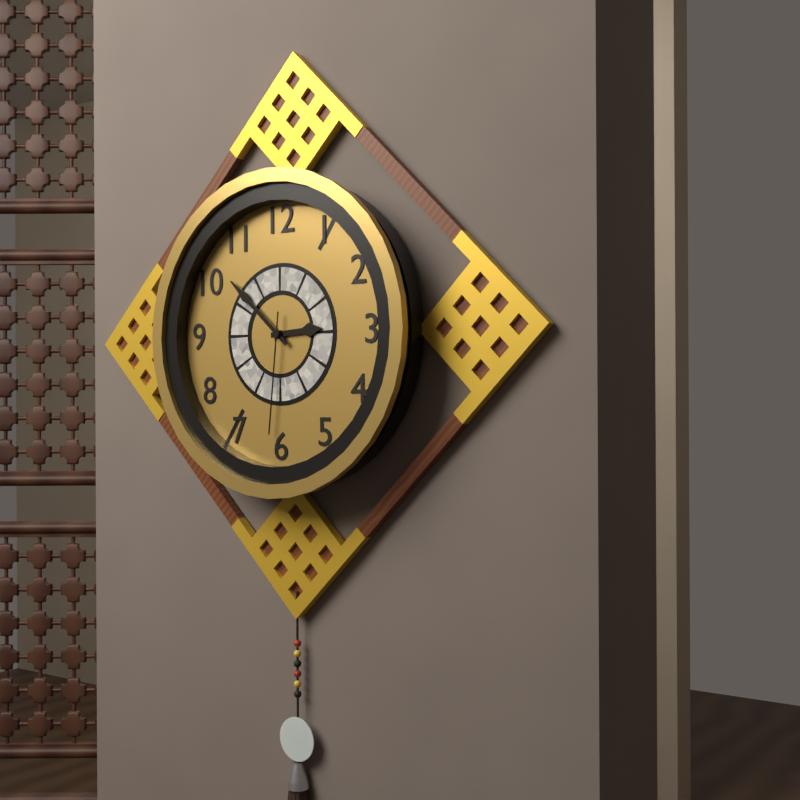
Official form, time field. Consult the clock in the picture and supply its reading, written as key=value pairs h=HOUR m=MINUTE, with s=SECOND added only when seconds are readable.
h=2 m=52 s=31
